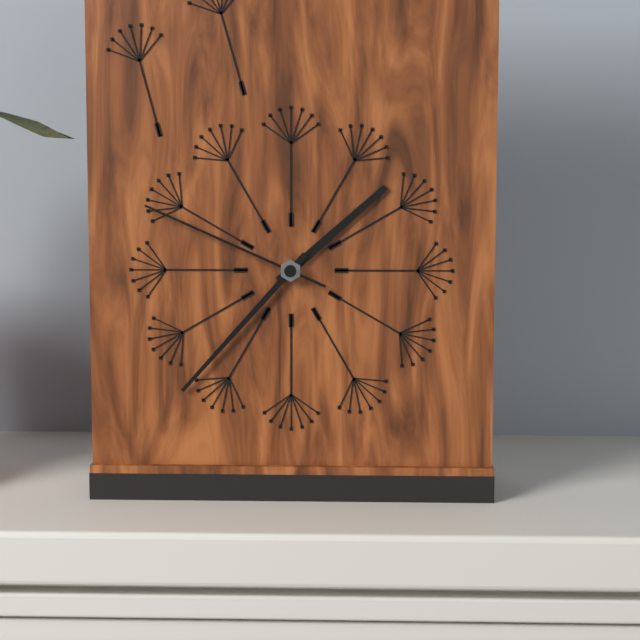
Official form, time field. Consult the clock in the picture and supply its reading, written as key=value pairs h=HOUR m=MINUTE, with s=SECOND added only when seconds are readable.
h=1 m=37 s=49
